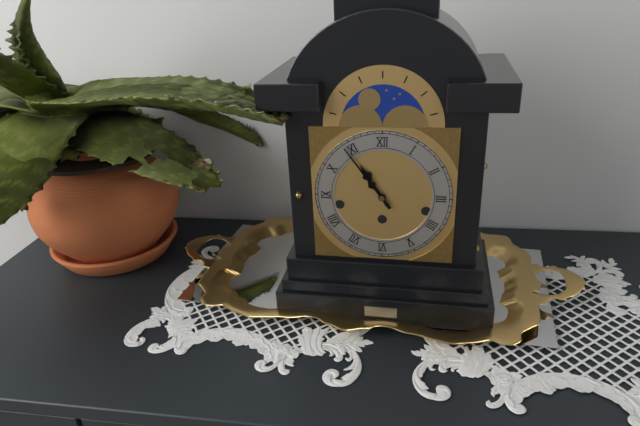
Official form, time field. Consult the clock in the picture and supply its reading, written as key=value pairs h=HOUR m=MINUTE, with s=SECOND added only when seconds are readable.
h=10 m=54
